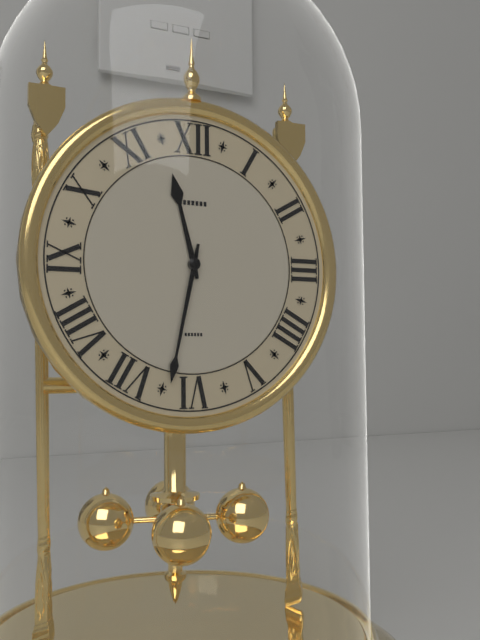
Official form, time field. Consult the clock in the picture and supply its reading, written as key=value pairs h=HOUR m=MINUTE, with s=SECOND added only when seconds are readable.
h=11 m=32
